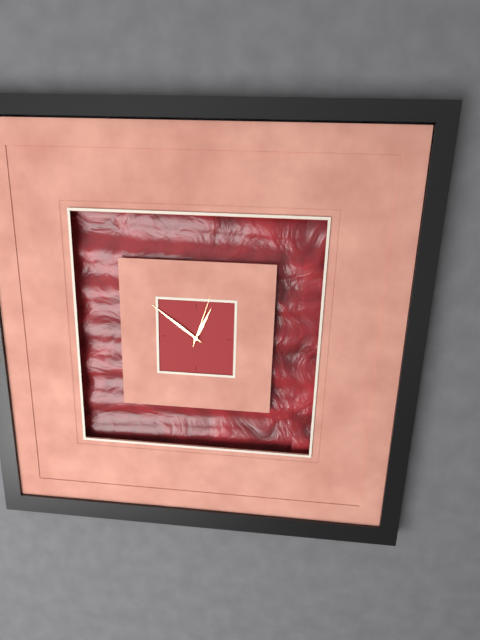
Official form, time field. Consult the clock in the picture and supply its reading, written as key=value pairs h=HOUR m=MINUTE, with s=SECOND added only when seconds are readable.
h=12 m=51 s=3
